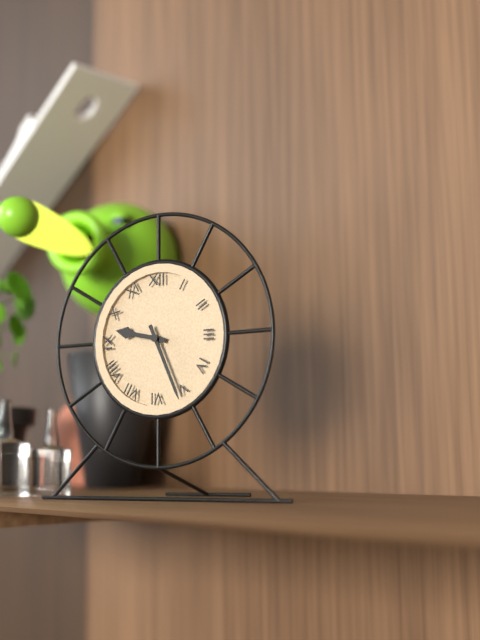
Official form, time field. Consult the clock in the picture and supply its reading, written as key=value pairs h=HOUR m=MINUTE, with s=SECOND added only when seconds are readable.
h=9 m=26
